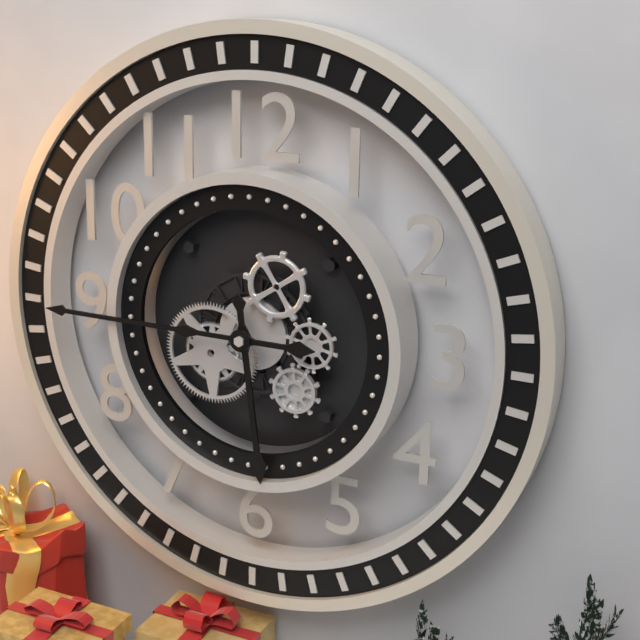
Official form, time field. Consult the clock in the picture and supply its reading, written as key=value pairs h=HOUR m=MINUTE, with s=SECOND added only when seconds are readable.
h=5 m=45
